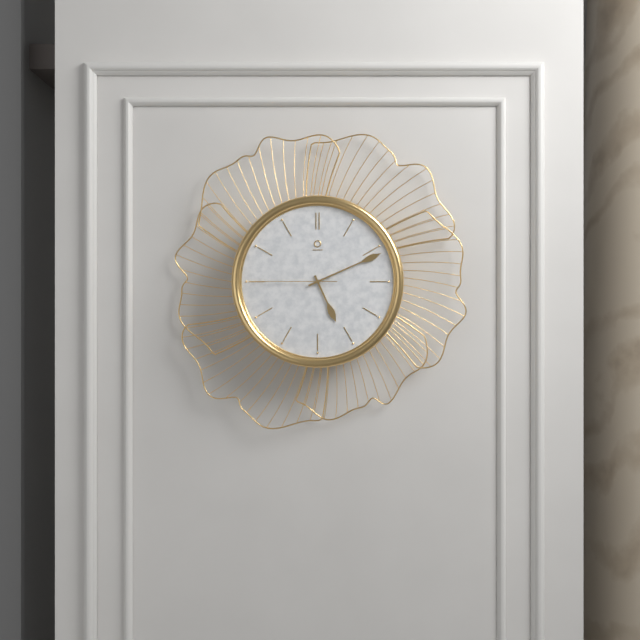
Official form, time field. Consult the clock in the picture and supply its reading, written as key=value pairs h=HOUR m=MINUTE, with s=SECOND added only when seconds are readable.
h=5 m=11 s=45
